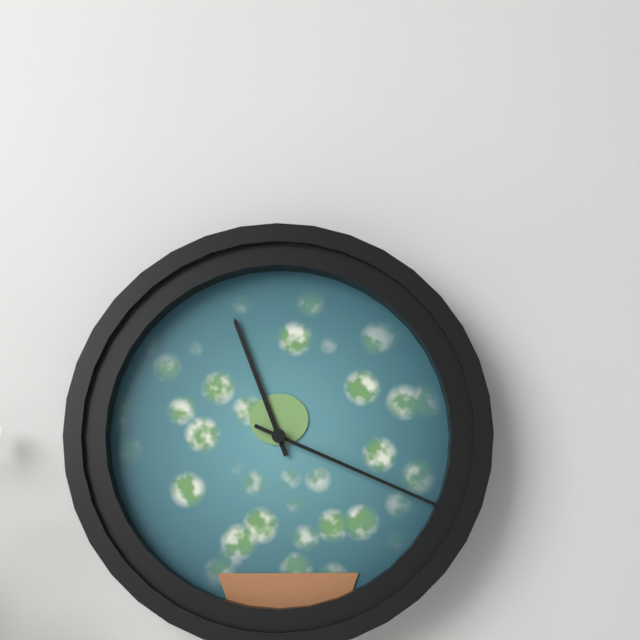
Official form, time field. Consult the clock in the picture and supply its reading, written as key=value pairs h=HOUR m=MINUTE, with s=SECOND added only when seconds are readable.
h=11 m=19
